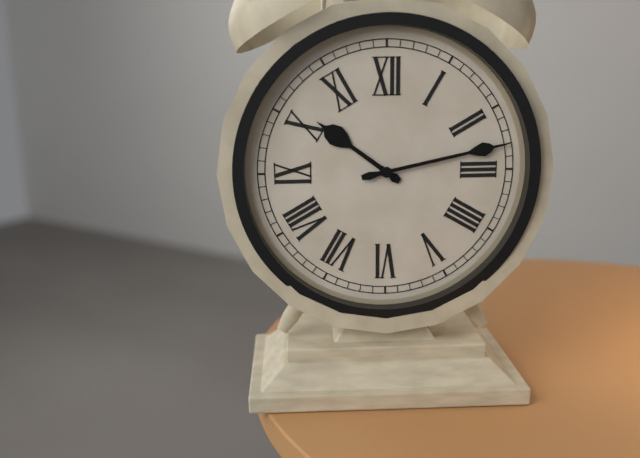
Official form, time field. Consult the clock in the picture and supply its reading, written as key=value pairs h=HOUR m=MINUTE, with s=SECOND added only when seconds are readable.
h=10 m=13
